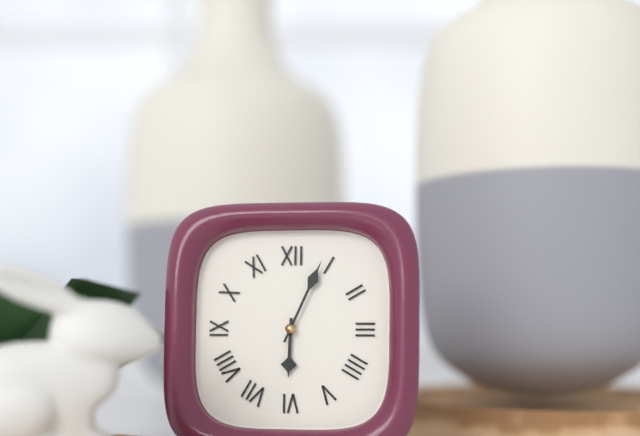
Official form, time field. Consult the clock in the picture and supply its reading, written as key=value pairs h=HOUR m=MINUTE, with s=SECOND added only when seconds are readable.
h=6 m=4
